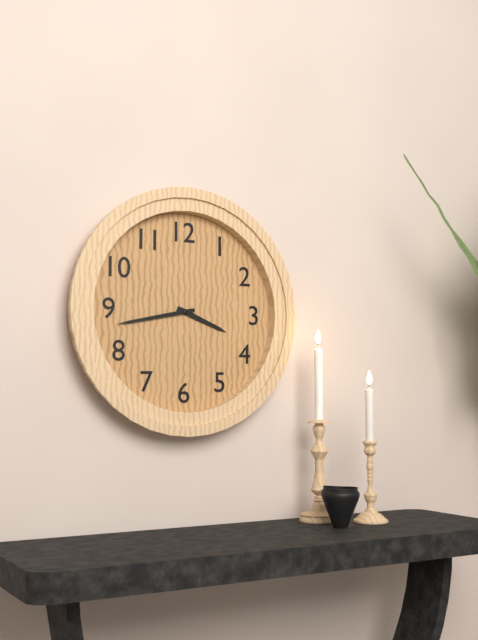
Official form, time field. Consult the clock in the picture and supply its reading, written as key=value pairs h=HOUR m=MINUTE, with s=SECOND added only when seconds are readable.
h=3 m=43
